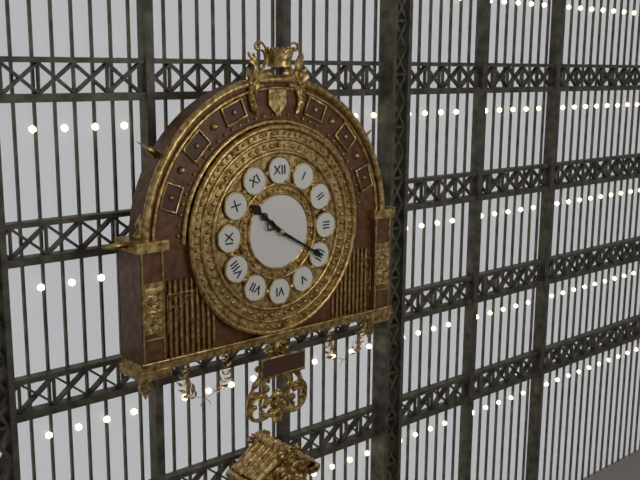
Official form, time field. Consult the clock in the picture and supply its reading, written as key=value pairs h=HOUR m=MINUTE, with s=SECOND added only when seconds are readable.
h=10 m=20
